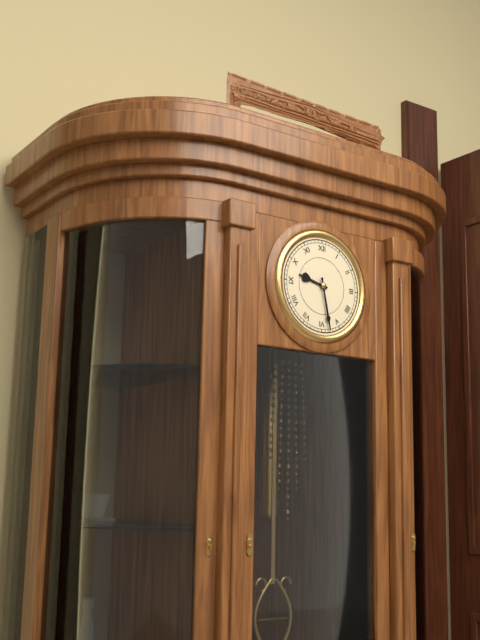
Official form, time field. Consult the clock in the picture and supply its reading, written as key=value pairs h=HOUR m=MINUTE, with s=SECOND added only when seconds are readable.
h=9 m=28
